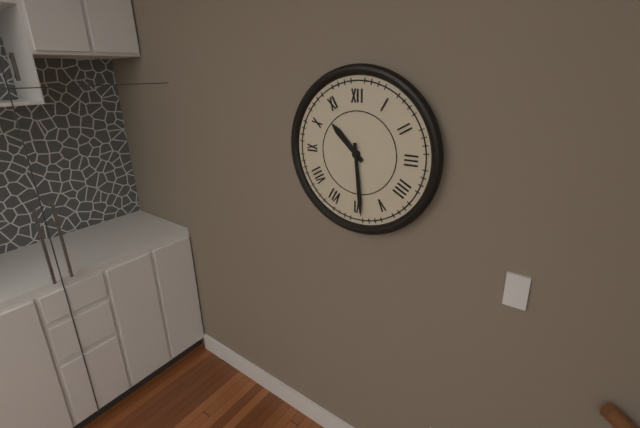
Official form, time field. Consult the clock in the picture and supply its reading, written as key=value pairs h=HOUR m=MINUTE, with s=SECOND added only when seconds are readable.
h=10 m=29
